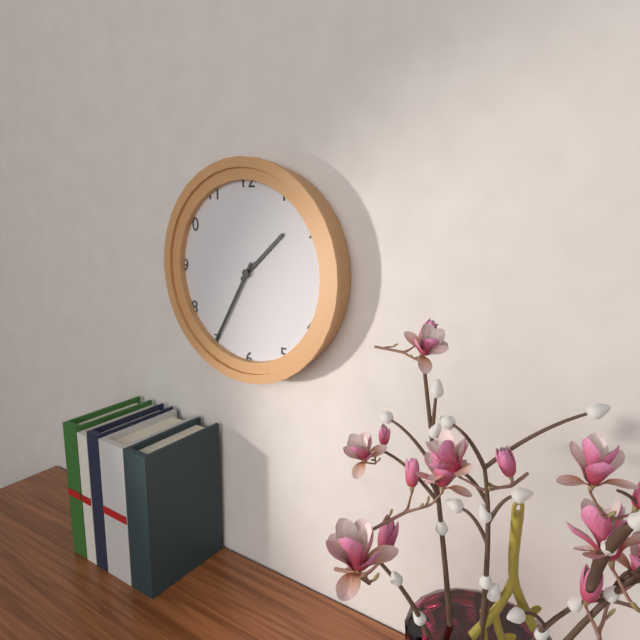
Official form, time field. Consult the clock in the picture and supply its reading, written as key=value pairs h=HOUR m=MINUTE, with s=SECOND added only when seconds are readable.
h=1 m=35
